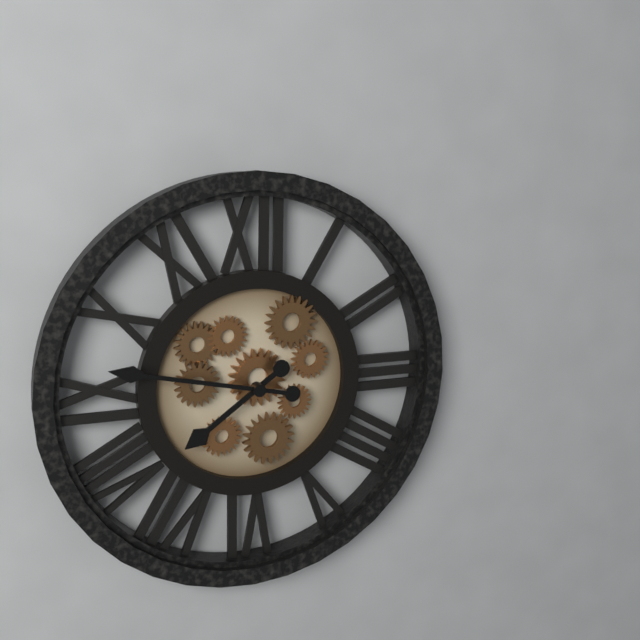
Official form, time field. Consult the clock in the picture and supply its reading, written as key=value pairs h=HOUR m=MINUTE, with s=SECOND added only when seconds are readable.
h=7 m=47
